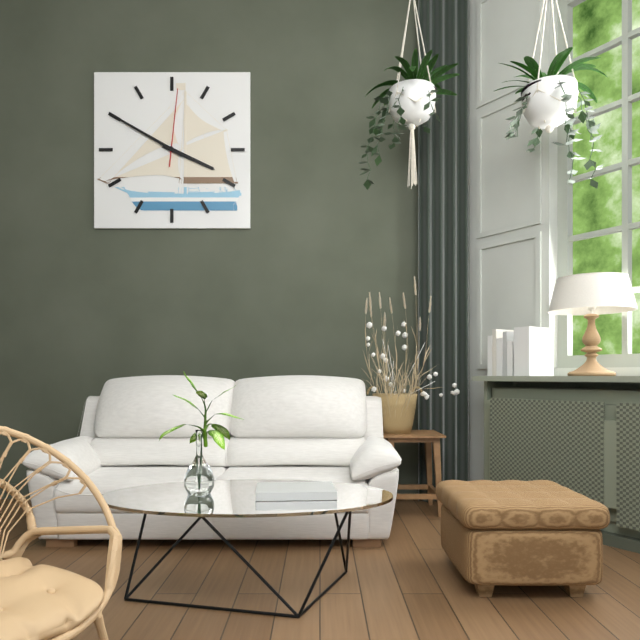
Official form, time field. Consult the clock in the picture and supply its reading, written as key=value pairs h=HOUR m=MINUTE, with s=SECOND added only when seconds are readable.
h=3 m=50 s=1
